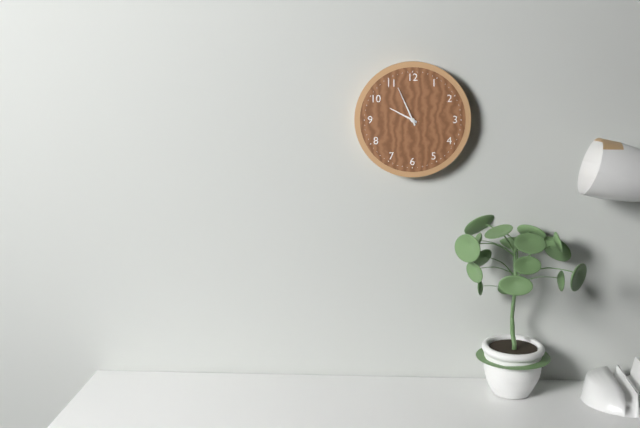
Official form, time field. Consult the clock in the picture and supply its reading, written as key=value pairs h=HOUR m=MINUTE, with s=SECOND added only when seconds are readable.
h=9 m=56
